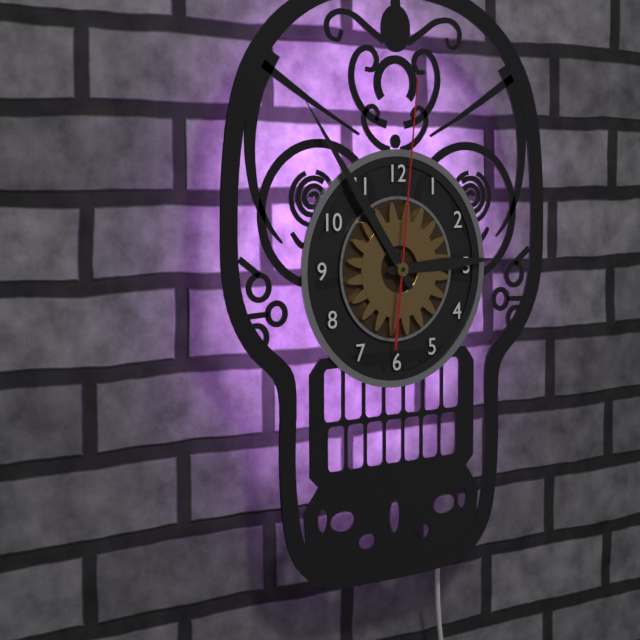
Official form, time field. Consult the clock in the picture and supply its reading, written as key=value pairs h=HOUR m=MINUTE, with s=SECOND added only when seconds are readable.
h=2 m=54 s=1
